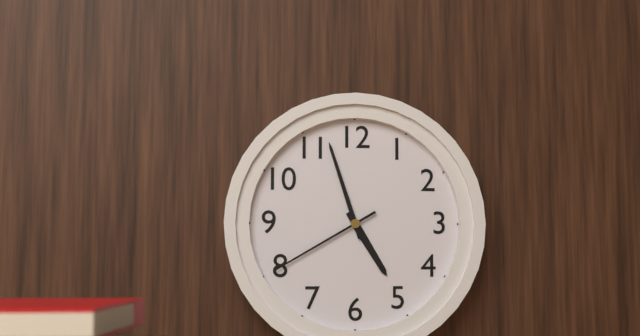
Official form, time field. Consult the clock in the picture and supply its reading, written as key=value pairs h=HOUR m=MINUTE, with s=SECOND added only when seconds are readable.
h=4 m=57 s=40
